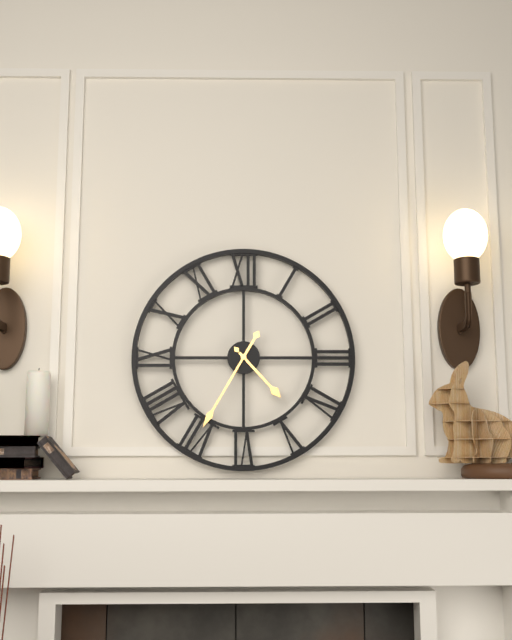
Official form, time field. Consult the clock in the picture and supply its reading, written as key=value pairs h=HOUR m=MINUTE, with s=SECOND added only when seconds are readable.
h=4 m=35
